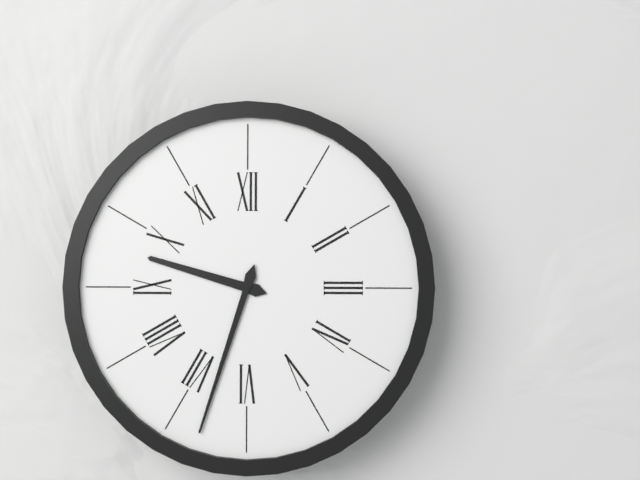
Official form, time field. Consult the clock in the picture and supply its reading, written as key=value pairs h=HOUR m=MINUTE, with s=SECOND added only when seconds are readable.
h=9 m=33
